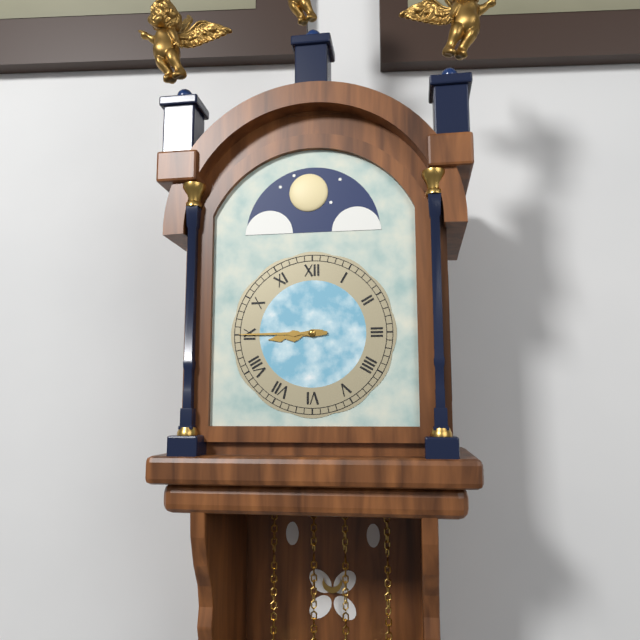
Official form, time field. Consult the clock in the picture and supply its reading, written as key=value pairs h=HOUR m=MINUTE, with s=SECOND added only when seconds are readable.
h=8 m=45
